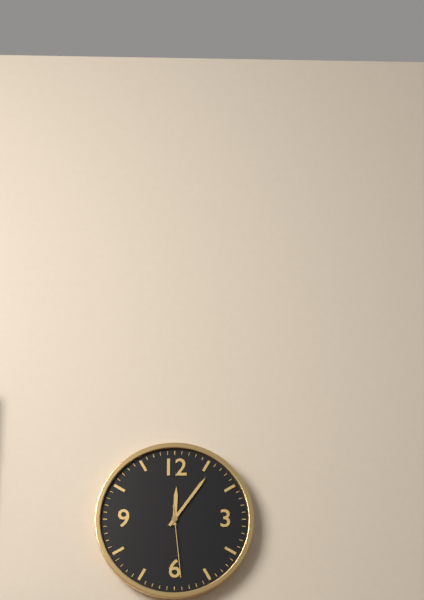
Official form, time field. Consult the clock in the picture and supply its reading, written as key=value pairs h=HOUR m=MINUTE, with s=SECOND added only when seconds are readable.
h=12 m=6 s=29
